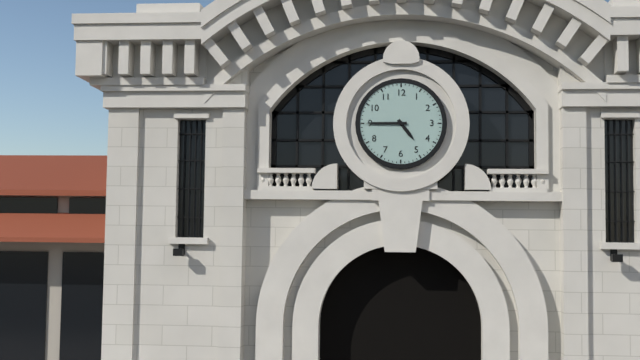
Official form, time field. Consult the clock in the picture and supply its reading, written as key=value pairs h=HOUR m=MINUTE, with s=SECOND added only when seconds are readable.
h=4 m=45
